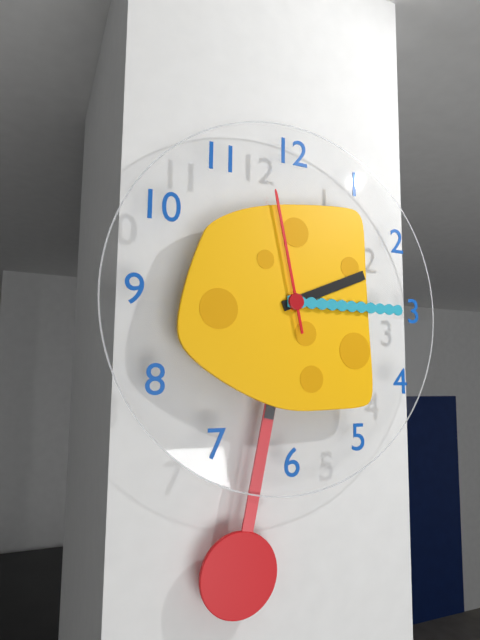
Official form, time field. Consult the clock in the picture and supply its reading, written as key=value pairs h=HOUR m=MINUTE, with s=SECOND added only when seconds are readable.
h=2 m=15 s=58
